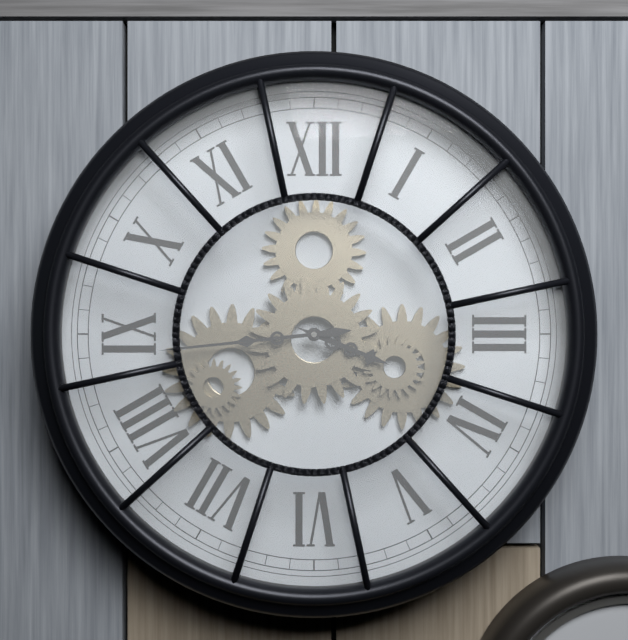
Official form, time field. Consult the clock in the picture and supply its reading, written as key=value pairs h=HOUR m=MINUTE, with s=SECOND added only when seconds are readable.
h=3 m=44
